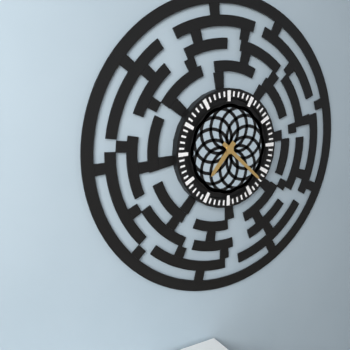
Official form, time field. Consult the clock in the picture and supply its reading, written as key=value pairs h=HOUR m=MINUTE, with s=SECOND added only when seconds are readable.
h=7 m=22
